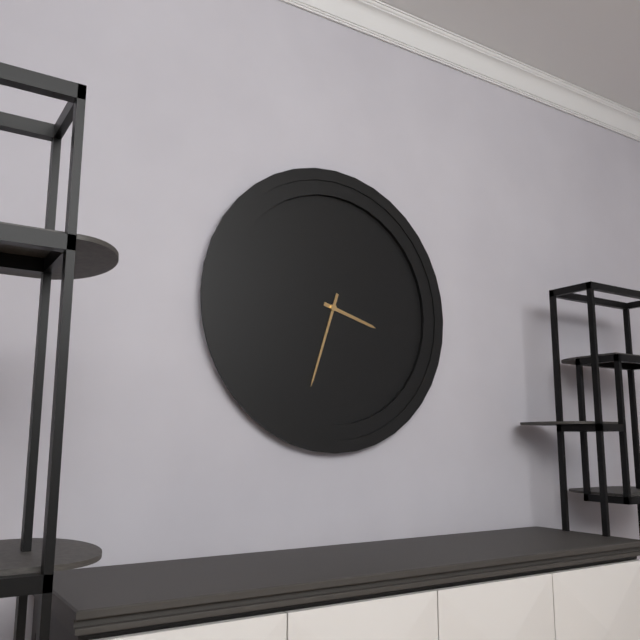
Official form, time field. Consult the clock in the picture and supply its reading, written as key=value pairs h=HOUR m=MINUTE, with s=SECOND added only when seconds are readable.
h=3 m=33
